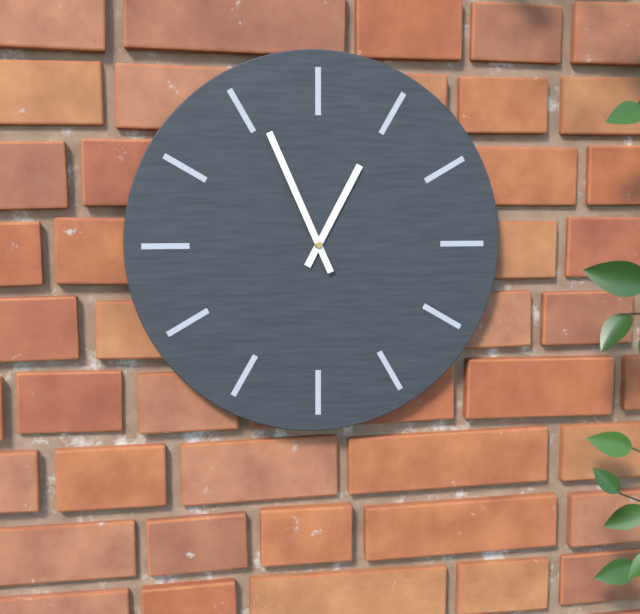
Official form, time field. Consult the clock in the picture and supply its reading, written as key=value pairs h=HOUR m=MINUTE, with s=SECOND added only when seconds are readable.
h=12 m=56
